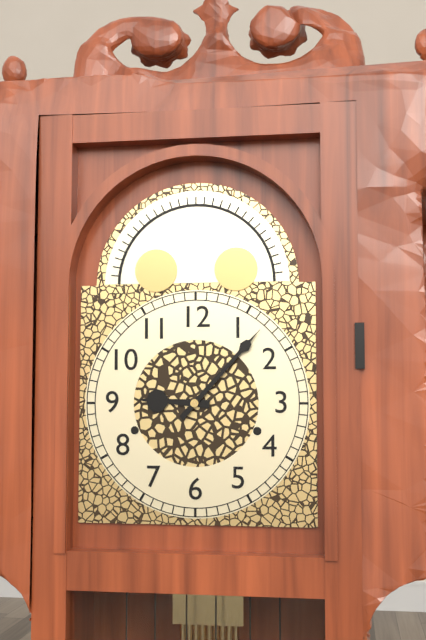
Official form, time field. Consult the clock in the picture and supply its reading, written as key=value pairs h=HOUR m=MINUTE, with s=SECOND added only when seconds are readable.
h=9 m=7
